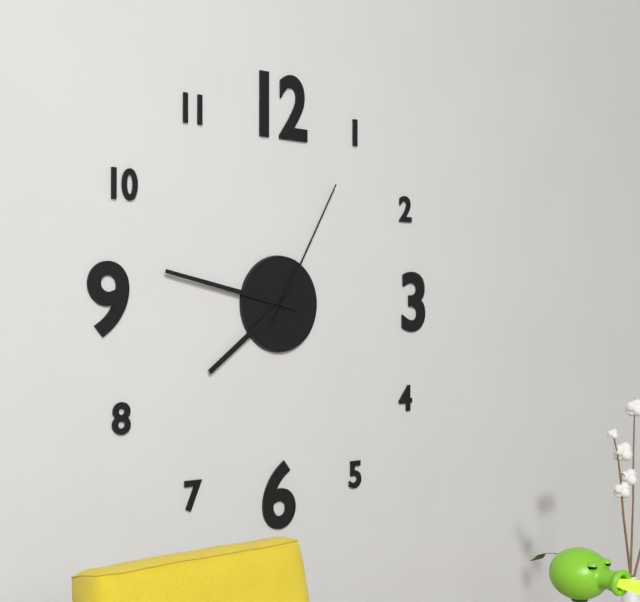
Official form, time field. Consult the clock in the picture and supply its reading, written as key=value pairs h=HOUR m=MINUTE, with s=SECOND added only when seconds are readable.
h=7 m=47 s=5
